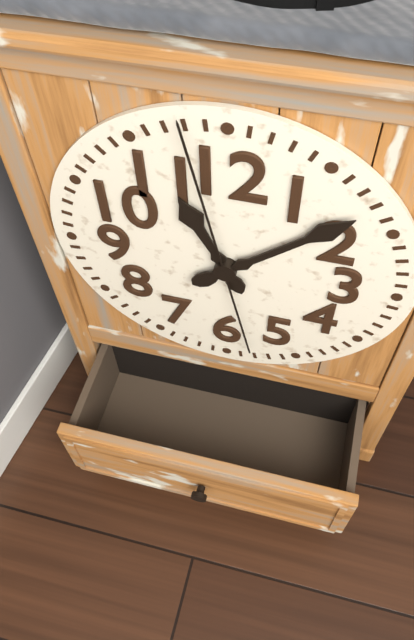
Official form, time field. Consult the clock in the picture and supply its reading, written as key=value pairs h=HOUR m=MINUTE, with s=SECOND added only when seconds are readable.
h=11 m=8 s=58
